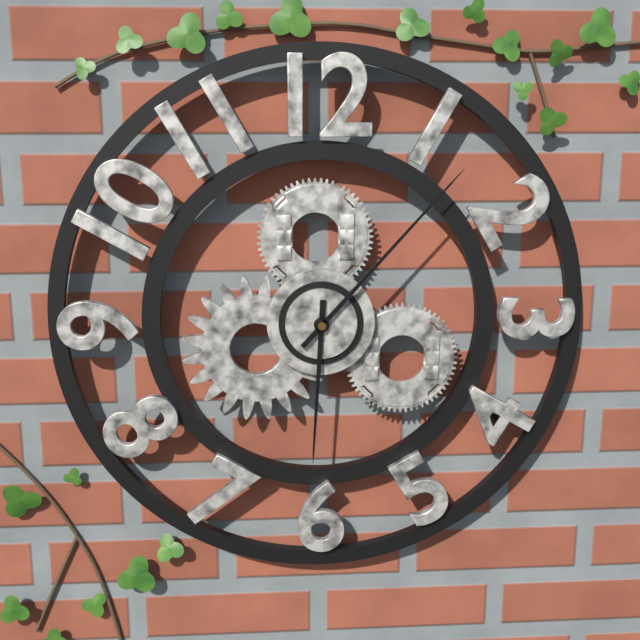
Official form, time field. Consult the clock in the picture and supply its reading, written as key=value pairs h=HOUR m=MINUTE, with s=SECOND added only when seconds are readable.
h=6 m=7
